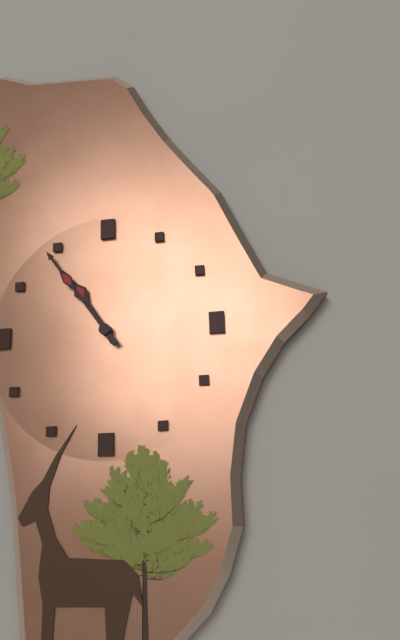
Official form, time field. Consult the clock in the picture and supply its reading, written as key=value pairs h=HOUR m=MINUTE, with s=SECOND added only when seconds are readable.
h=10 m=54
